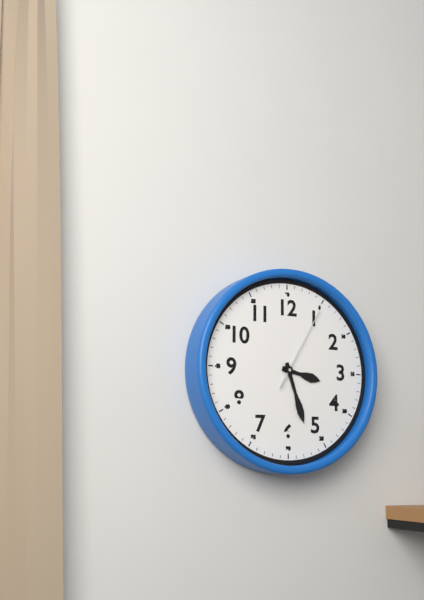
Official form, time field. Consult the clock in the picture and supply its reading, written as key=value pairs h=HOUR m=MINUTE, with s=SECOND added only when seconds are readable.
h=3 m=27 s=5
